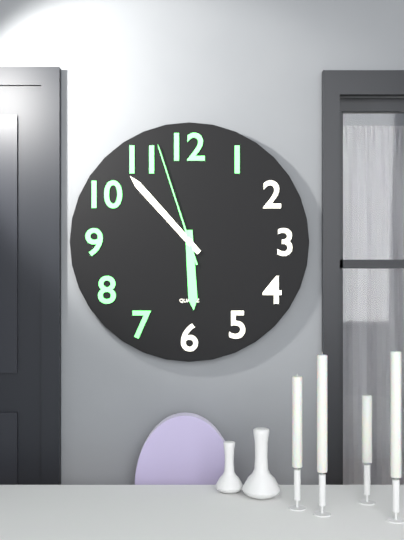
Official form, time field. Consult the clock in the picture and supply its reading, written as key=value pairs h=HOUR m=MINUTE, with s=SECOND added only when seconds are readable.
h=5 m=53 s=57
